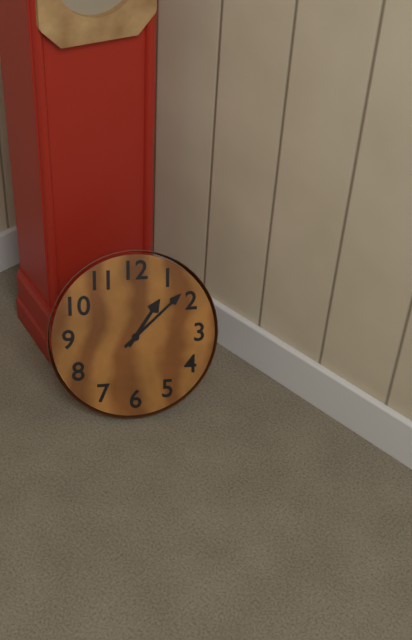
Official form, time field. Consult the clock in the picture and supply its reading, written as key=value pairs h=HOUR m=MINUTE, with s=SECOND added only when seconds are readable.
h=1 m=8
